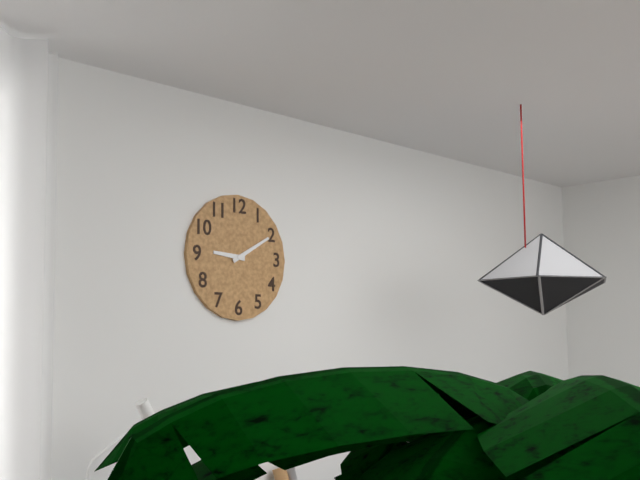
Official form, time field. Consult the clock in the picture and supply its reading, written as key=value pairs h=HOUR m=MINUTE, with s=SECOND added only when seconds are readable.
h=9 m=10
